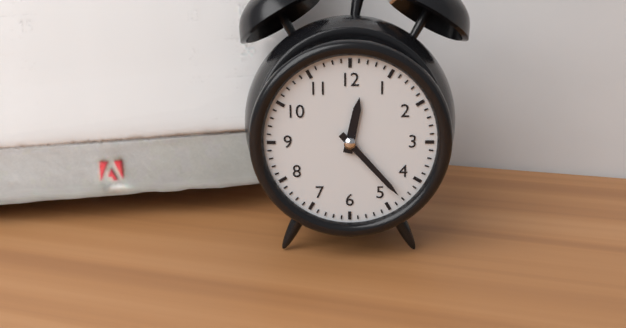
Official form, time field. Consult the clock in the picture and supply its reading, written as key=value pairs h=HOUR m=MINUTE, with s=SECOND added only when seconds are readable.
h=12 m=23
